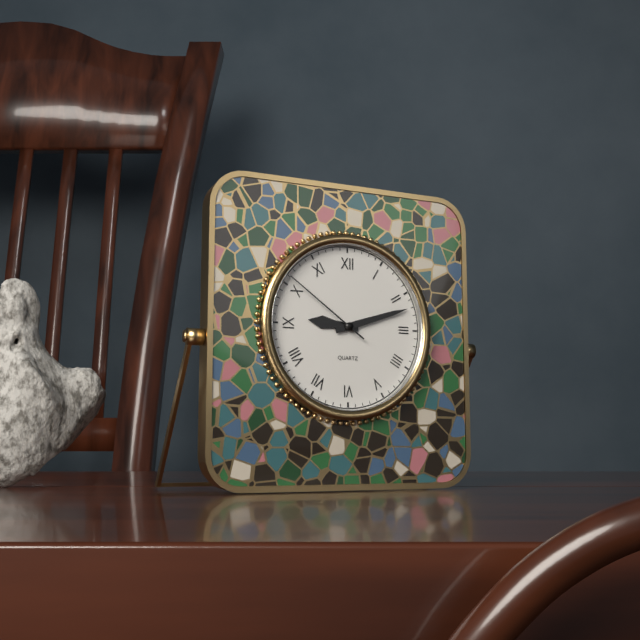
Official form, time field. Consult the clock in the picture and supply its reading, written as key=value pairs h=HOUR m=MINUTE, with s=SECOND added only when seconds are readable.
h=9 m=12 s=51
